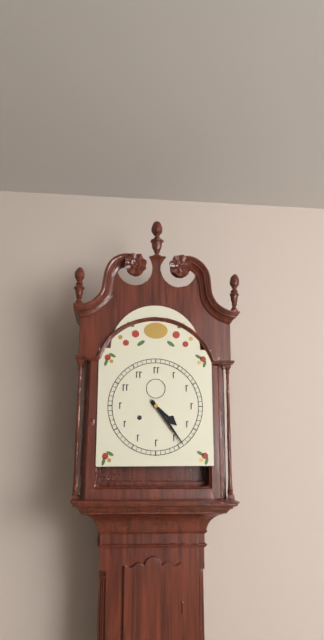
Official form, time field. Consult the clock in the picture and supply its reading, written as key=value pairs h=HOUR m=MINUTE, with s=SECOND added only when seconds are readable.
h=4 m=24
